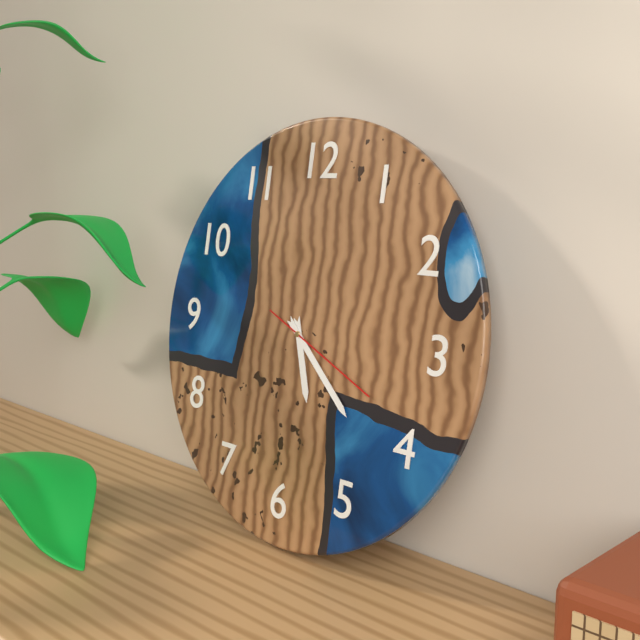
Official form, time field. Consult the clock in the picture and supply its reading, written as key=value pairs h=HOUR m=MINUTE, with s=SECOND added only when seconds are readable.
h=5 m=22 s=19
